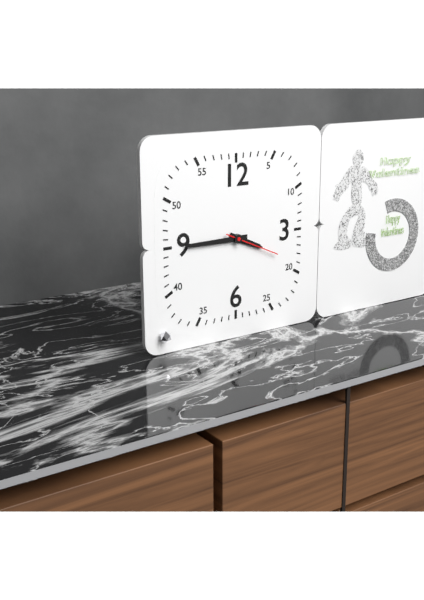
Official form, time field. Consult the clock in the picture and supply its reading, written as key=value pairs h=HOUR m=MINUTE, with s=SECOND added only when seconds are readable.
h=3 m=45 s=19
